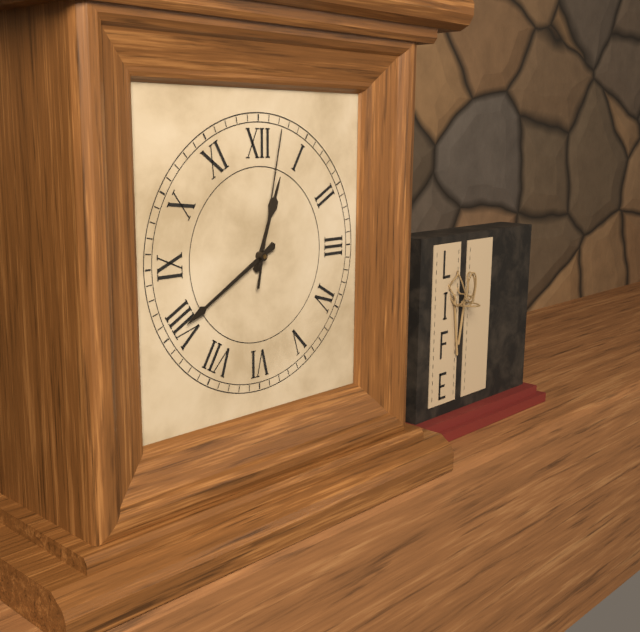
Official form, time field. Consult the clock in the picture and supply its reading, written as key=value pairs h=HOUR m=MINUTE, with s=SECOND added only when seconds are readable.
h=12 m=40 s=2
